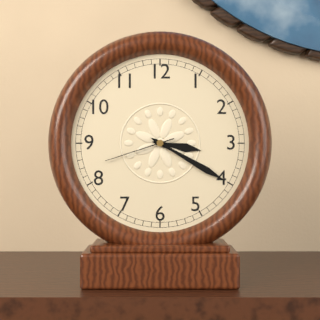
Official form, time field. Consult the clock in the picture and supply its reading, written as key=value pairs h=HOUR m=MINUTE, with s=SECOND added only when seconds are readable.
h=3 m=20 s=42
